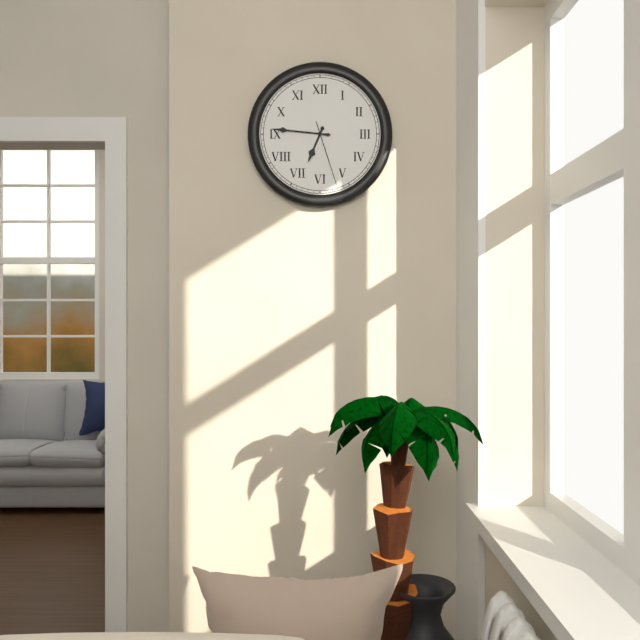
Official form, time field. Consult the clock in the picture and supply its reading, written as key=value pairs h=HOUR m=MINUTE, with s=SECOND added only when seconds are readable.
h=6 m=46 s=27
